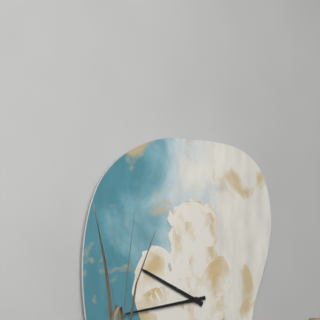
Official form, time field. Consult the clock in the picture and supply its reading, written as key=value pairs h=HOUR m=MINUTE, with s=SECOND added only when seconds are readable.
h=9 m=43
